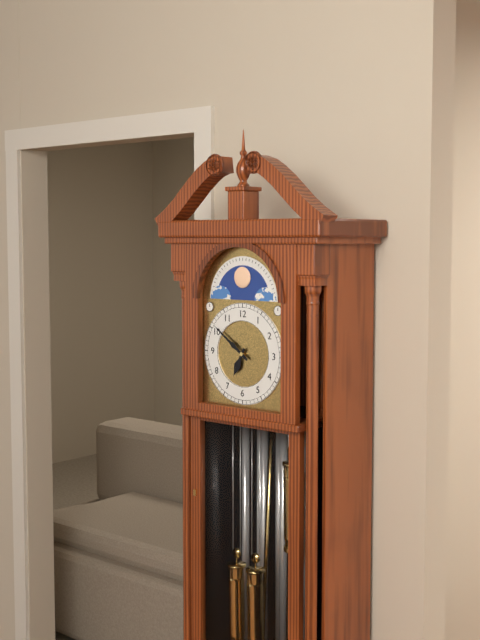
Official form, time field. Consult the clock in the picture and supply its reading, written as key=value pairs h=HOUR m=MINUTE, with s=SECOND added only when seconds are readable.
h=6 m=51
